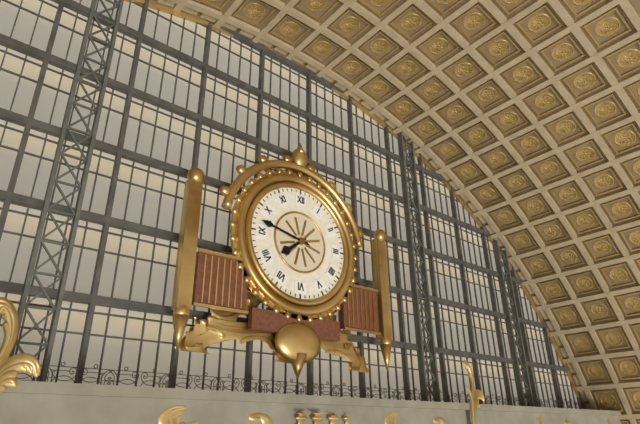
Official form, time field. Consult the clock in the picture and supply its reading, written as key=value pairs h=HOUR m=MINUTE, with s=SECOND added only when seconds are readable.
h=7 m=47
